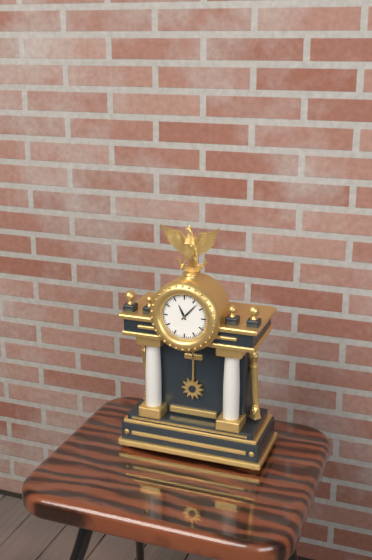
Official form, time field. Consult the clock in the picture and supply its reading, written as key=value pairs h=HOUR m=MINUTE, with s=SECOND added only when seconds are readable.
h=11 m=7
